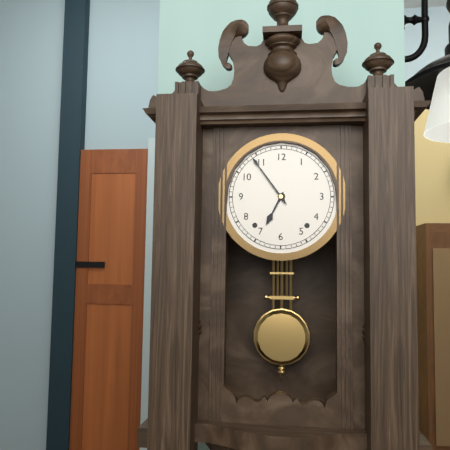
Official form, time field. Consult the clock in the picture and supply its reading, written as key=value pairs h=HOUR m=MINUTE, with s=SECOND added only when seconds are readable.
h=6 m=54
